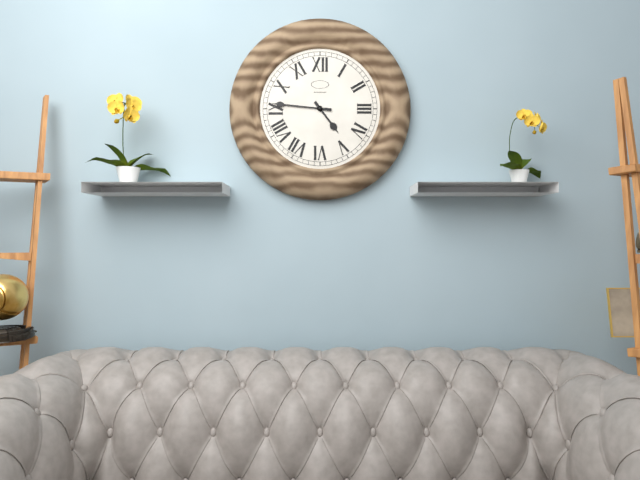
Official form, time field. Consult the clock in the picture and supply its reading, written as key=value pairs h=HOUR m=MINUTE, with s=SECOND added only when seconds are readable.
h=4 m=46
